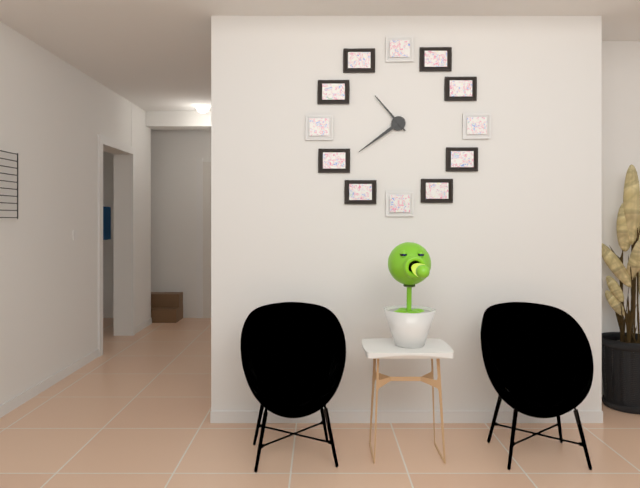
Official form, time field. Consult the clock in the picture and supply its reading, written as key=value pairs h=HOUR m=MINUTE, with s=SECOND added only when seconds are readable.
h=10 m=39
